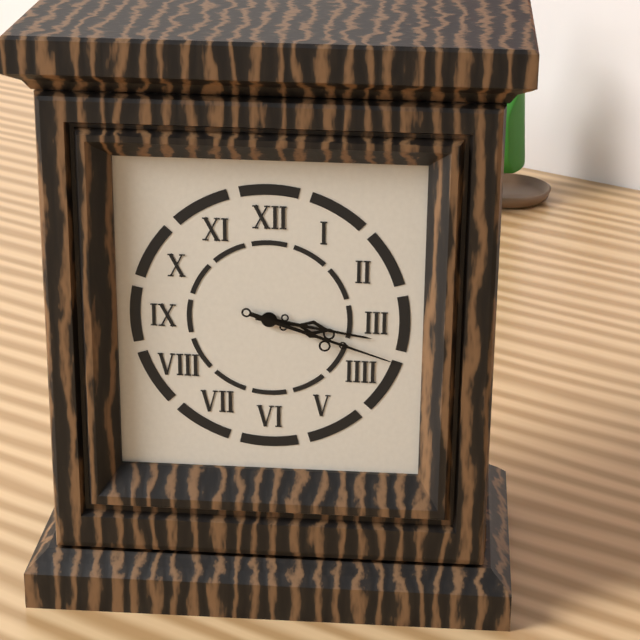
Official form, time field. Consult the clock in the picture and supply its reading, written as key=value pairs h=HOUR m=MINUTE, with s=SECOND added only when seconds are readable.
h=3 m=18
